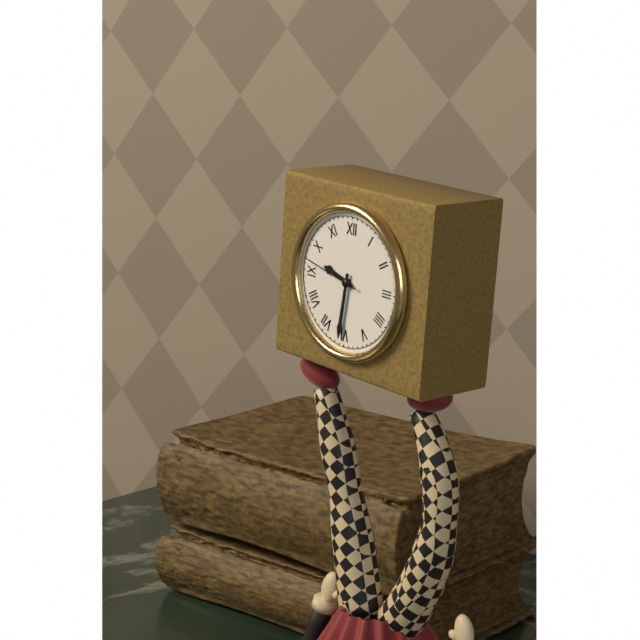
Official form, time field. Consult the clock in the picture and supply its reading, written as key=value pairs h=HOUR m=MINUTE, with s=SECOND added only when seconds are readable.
h=9 m=31 s=47
